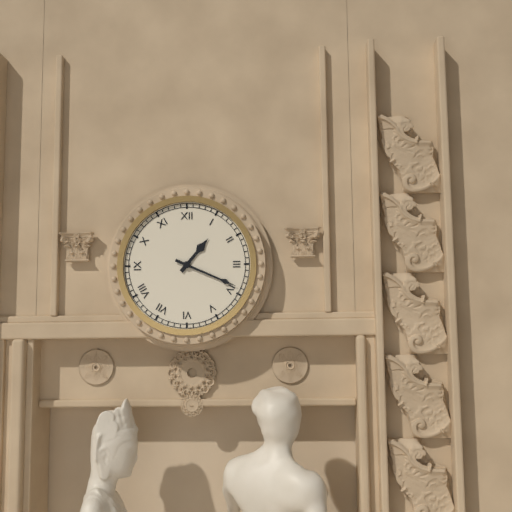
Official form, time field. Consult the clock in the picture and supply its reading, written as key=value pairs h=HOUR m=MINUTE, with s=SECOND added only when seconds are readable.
h=1 m=19
